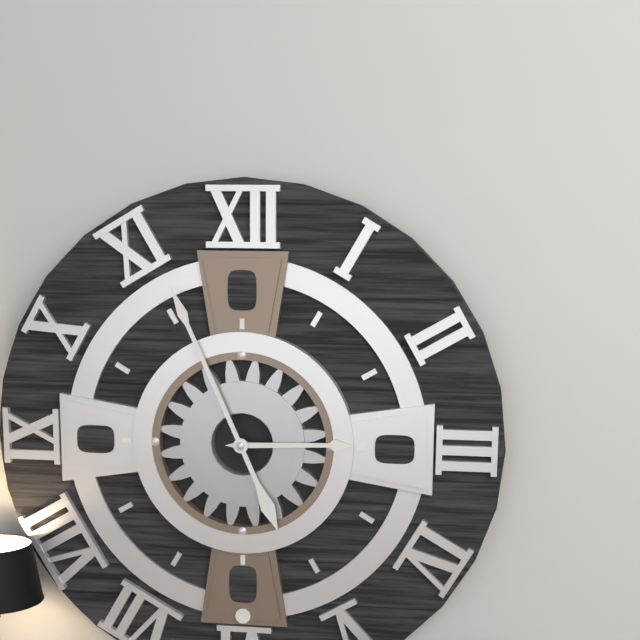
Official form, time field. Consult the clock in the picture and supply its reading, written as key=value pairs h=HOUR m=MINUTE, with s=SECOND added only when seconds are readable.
h=2 m=56
